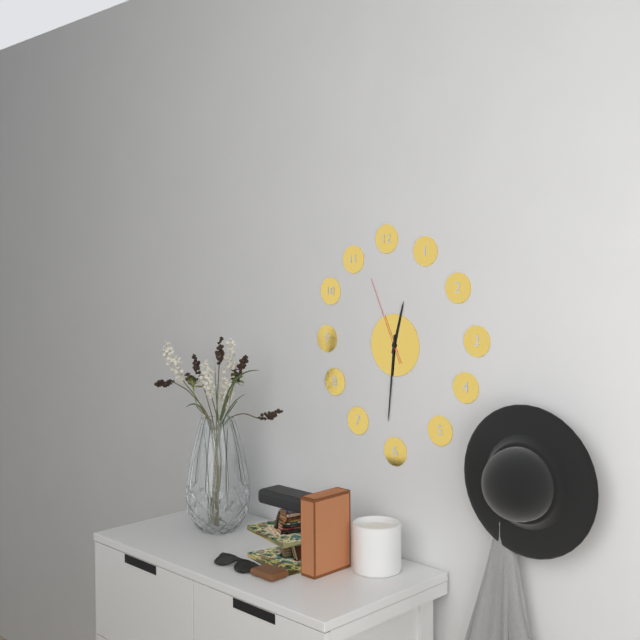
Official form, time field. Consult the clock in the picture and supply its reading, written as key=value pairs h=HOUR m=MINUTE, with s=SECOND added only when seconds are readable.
h=12 m=31 s=56
